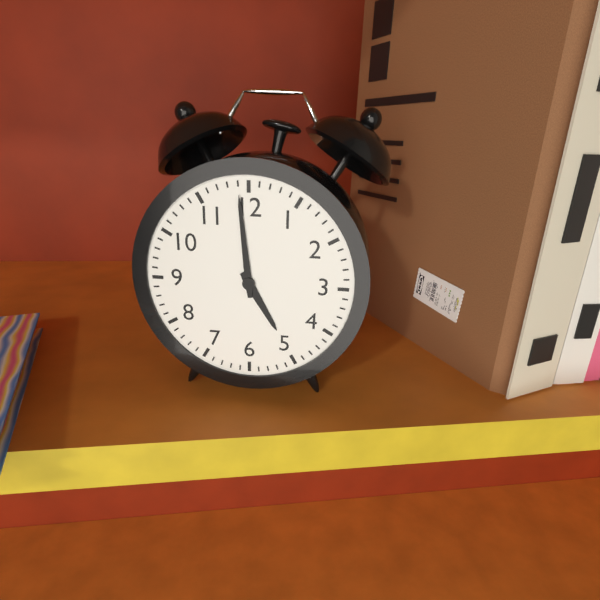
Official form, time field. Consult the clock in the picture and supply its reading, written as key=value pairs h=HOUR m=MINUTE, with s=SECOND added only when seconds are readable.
h=4 m=59
